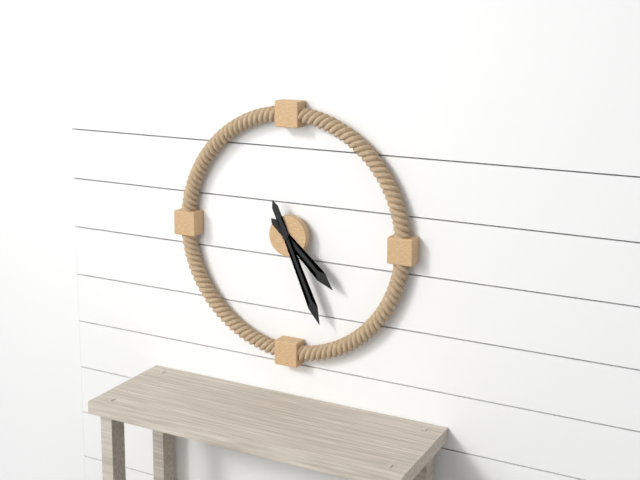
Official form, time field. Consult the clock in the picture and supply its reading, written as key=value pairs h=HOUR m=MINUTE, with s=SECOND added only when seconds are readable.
h=4 m=26
